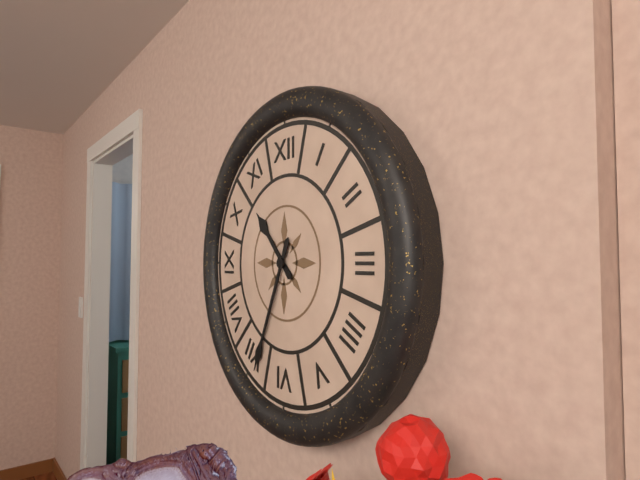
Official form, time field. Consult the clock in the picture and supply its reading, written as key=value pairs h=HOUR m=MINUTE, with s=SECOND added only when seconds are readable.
h=10 m=34
